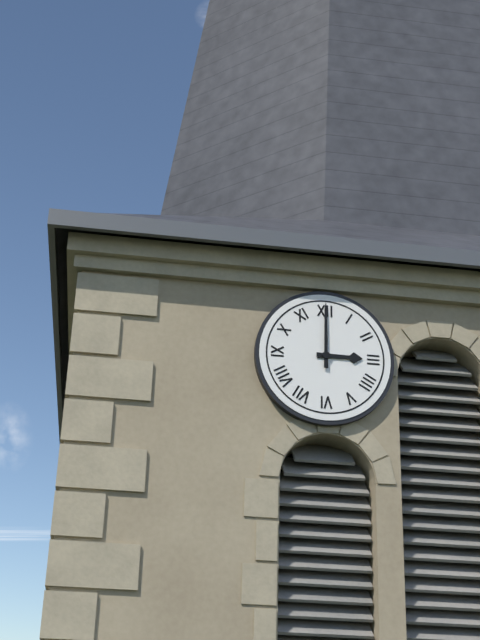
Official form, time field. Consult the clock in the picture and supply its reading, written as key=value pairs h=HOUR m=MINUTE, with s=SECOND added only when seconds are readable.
h=3 m=0
